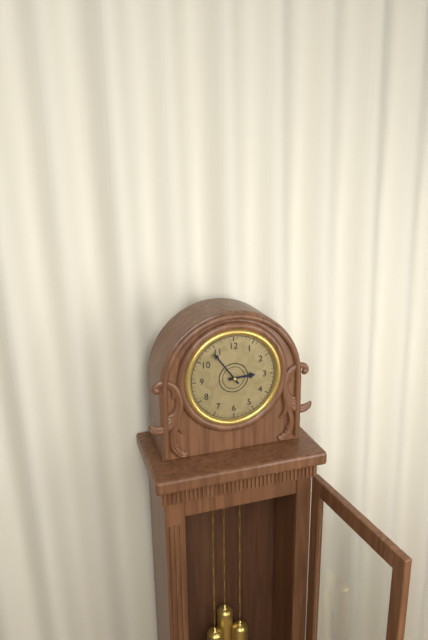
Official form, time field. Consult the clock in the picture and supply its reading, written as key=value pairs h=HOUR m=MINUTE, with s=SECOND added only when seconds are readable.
h=2 m=54
